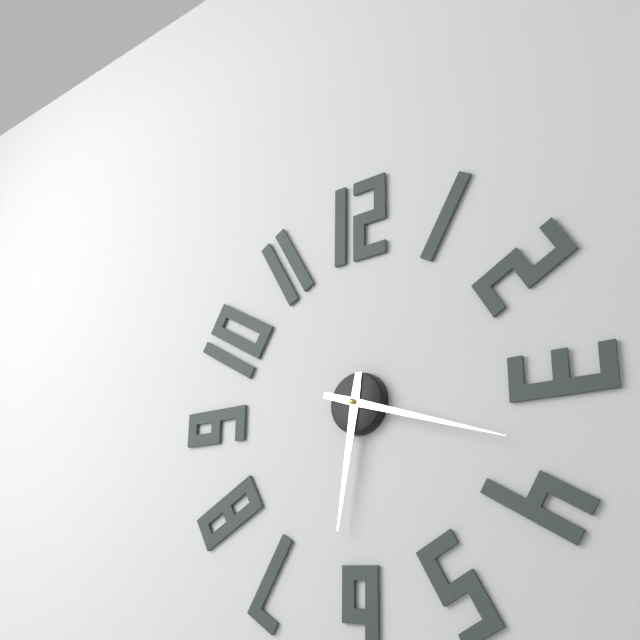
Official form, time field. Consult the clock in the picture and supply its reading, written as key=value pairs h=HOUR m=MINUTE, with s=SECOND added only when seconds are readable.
h=6 m=18
